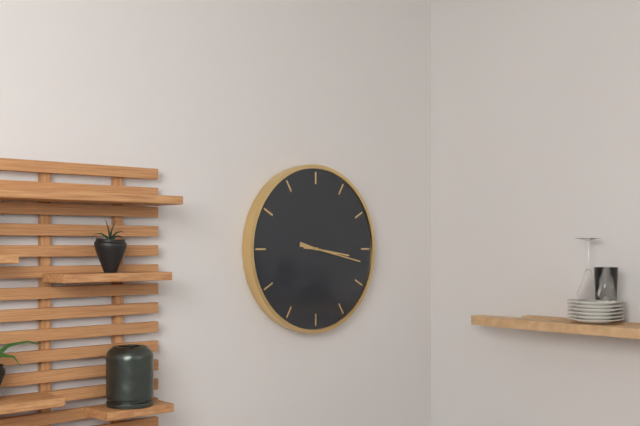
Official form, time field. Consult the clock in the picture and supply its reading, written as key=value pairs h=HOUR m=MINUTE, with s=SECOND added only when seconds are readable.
h=3 m=17
